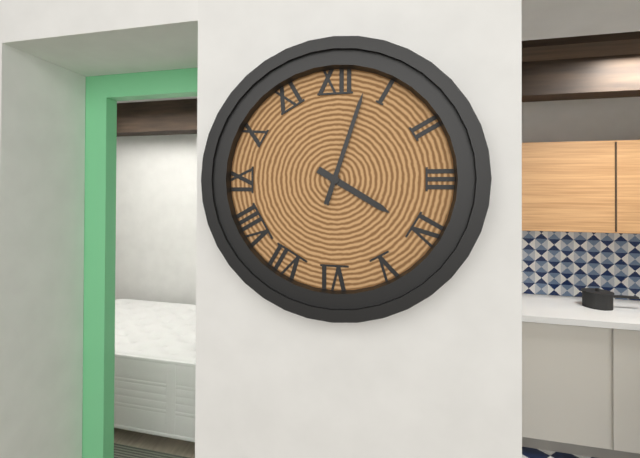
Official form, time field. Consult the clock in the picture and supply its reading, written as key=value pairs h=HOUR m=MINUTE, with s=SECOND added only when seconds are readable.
h=4 m=3
